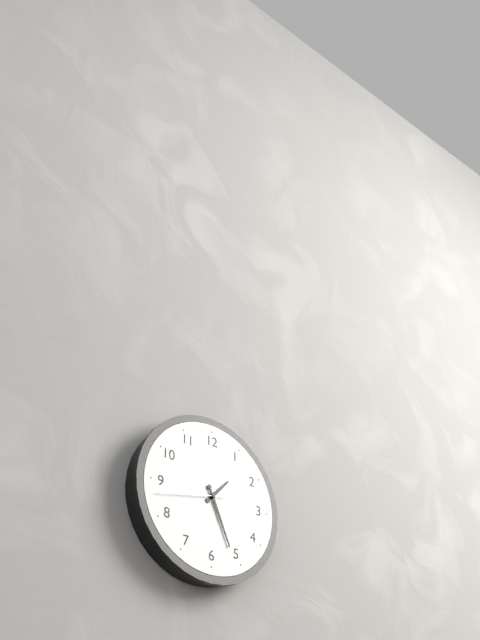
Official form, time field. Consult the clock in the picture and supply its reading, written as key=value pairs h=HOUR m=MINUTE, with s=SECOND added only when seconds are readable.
h=1 m=26 s=43
